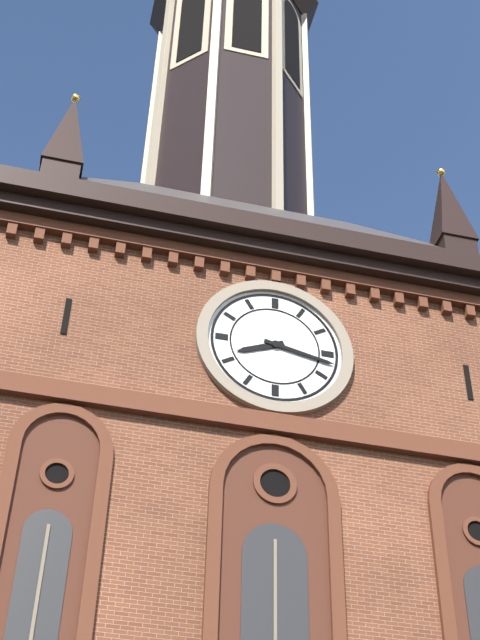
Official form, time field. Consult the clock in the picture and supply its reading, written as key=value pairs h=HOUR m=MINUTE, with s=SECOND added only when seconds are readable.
h=8 m=17
